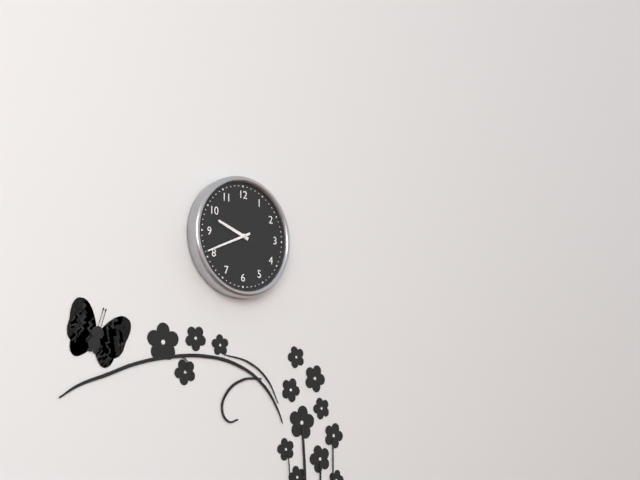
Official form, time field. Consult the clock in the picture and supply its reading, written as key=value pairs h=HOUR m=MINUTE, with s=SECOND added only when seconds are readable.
h=9 m=41
